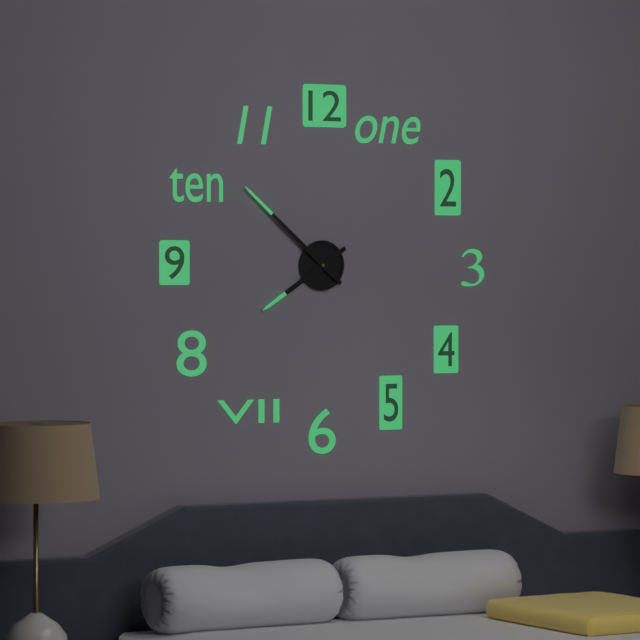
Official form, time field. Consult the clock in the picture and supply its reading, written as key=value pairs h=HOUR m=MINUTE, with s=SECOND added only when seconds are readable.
h=7 m=52
